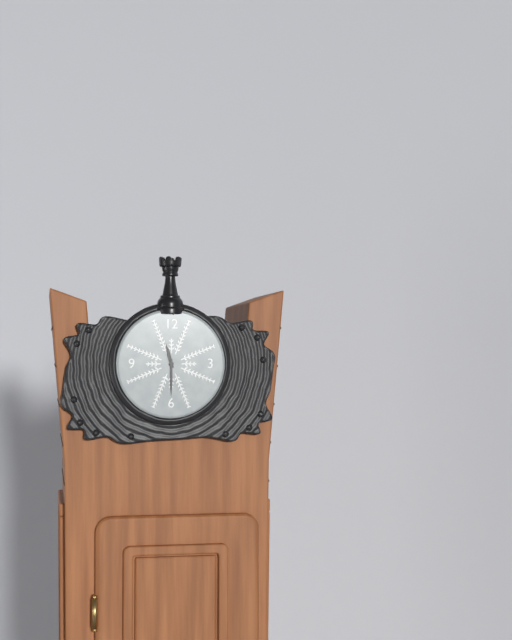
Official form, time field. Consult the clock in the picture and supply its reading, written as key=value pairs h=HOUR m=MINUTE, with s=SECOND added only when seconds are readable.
h=11 m=30
